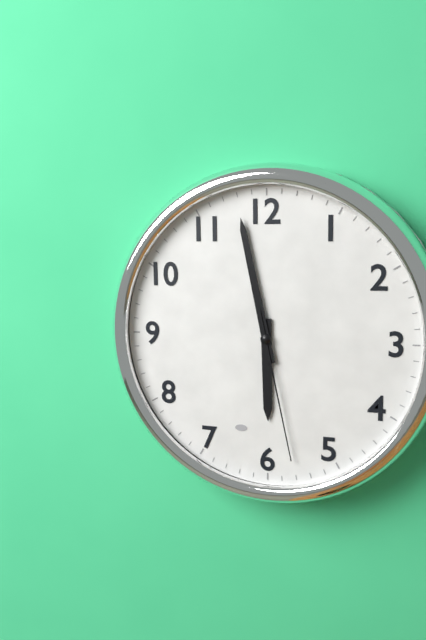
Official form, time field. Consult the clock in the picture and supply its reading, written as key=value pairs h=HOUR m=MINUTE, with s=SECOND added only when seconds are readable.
h=5 m=58 s=28
